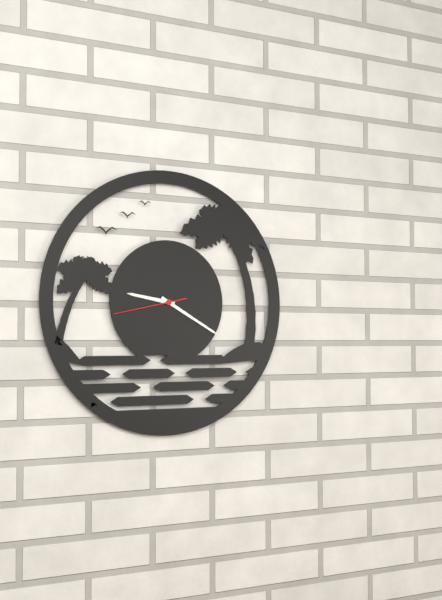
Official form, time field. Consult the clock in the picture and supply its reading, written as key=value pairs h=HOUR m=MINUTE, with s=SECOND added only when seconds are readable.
h=9 m=20 s=43
